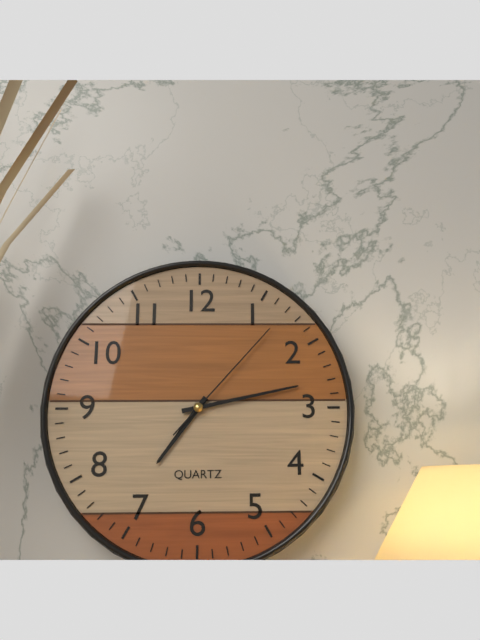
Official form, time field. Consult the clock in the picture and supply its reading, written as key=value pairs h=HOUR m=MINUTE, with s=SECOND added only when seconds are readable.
h=7 m=13 s=7
